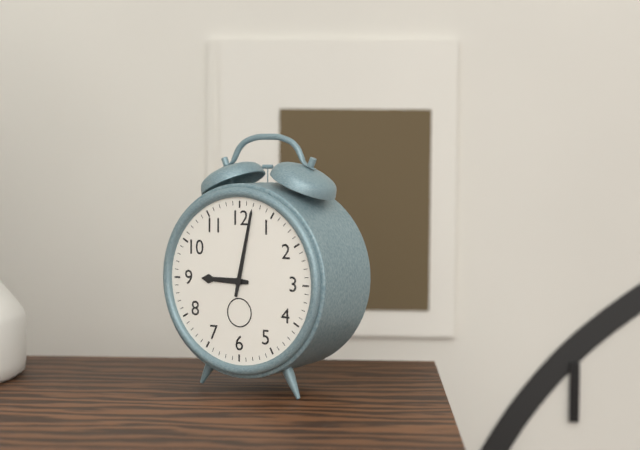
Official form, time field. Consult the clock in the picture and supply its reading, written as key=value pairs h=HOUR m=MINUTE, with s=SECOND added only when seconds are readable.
h=9 m=2
